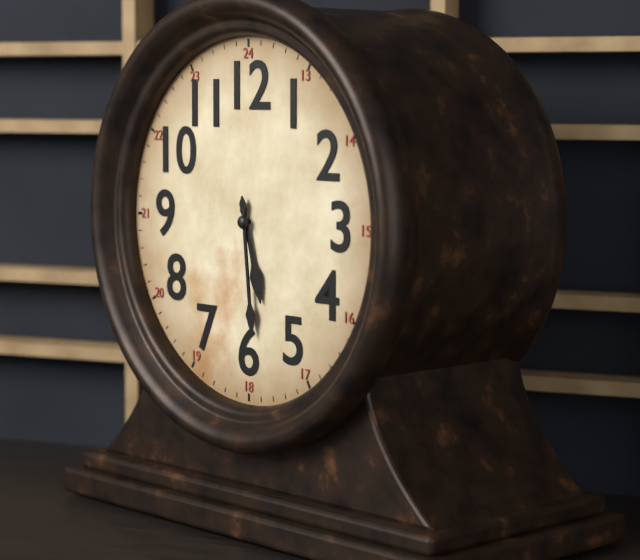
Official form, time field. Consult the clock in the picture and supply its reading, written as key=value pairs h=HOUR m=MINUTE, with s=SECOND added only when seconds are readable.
h=5 m=29
